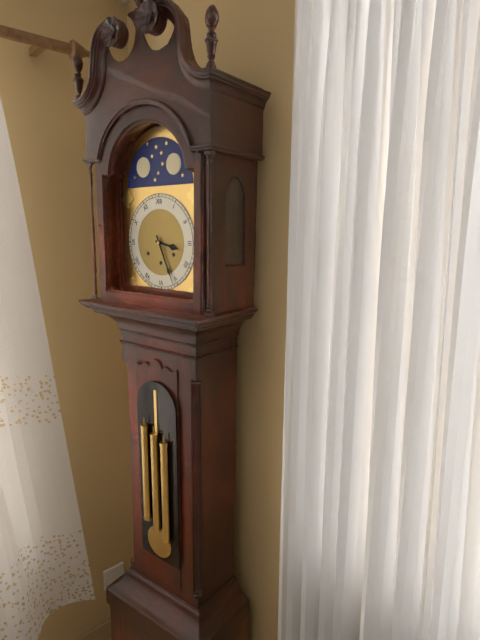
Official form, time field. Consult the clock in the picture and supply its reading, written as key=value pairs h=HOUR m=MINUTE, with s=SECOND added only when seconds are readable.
h=3 m=26
